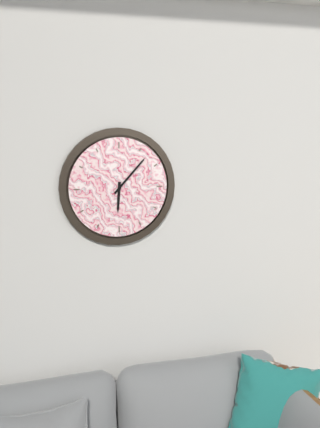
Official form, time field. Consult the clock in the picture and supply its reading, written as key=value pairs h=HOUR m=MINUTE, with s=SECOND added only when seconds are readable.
h=6 m=7
